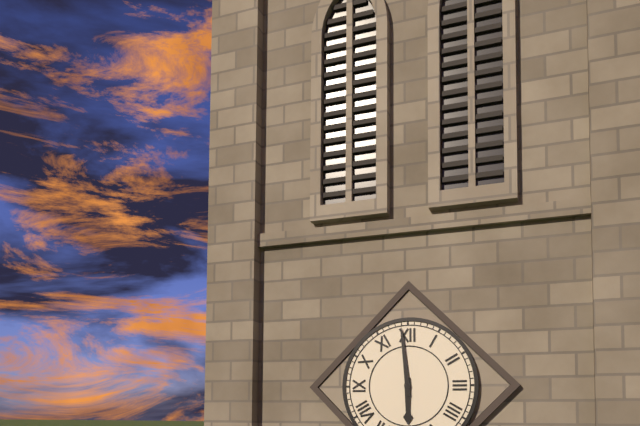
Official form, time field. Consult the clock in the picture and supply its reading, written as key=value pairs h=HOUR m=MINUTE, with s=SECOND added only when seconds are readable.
h=5 m=59
